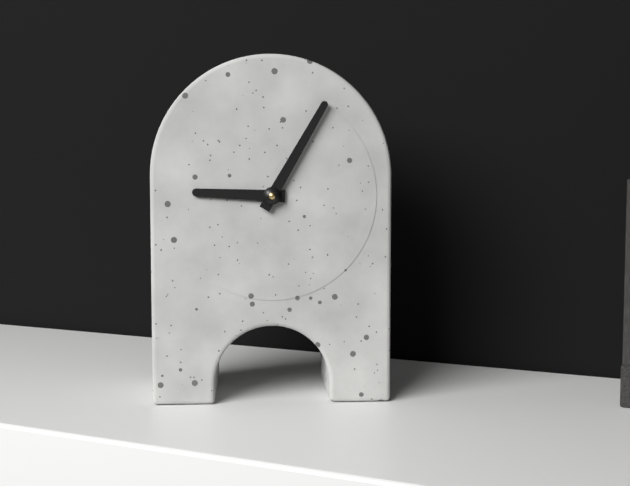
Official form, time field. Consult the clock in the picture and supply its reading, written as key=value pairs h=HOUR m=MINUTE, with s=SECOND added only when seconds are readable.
h=9 m=5
